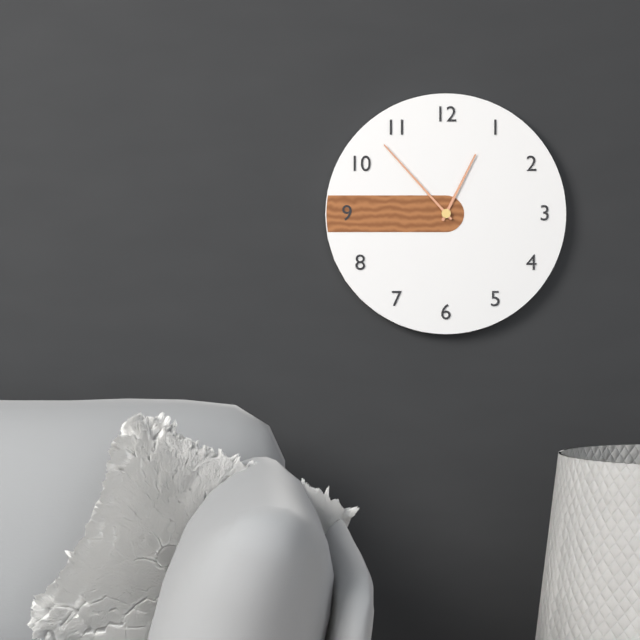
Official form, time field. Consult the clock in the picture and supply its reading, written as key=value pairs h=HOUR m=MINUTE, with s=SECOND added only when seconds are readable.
h=12 m=53
